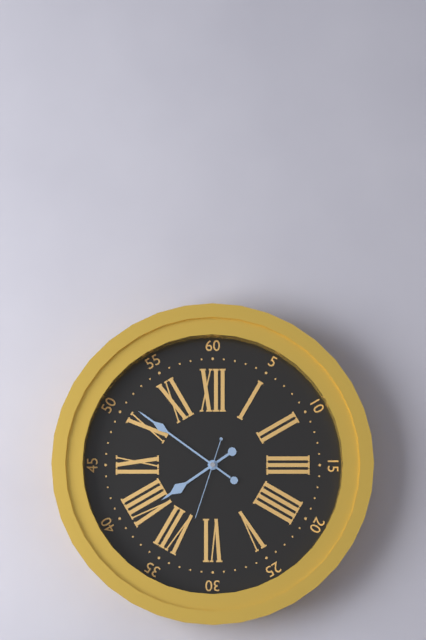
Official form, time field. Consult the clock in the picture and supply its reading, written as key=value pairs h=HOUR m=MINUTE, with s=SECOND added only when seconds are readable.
h=7 m=51 s=33
